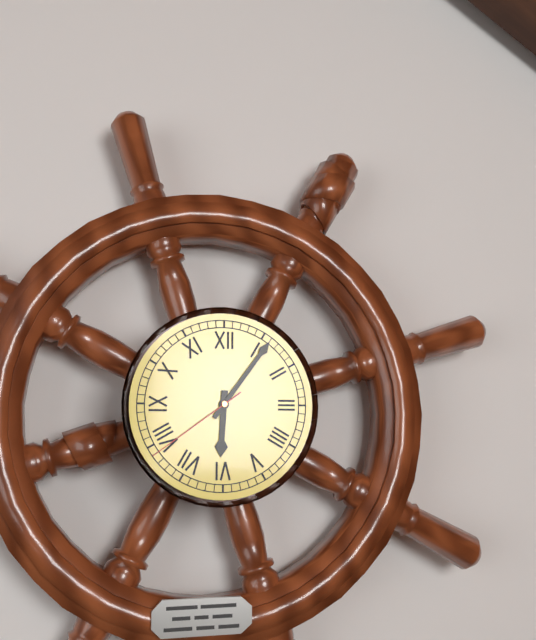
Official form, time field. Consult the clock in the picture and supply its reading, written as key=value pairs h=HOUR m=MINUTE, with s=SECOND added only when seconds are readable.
h=6 m=6 s=39
